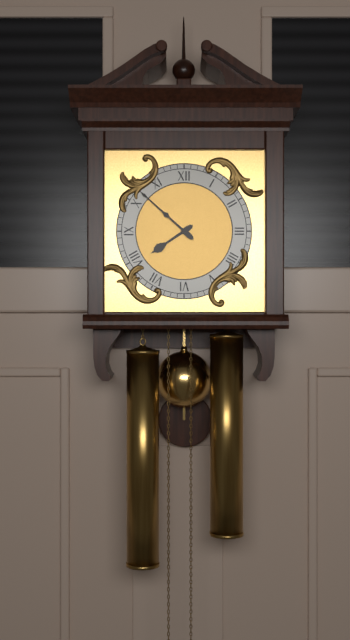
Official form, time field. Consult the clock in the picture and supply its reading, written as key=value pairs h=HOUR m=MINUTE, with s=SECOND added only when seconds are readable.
h=7 m=52
